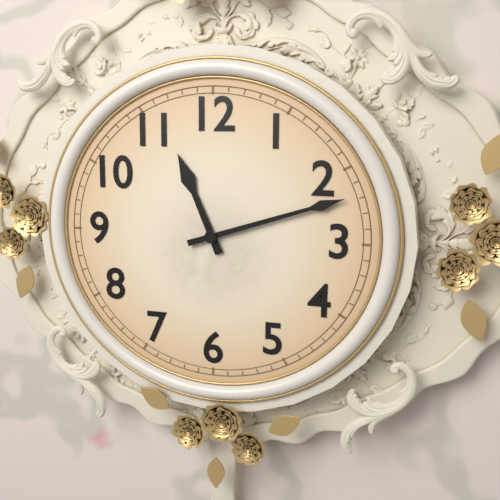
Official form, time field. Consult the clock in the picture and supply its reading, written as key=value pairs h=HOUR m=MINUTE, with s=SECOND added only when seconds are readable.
h=11 m=12
